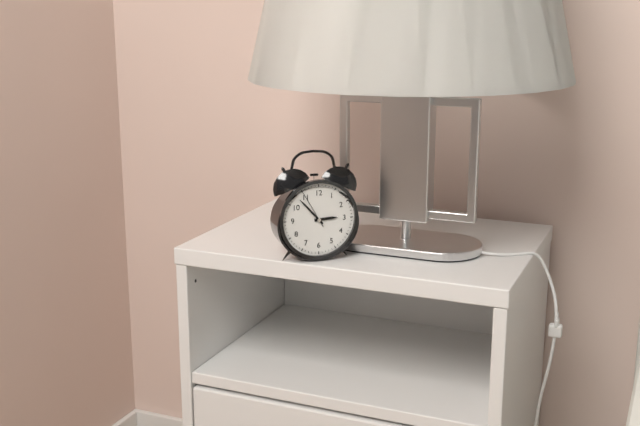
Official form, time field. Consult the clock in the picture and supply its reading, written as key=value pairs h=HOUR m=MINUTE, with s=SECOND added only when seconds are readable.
h=2 m=53
